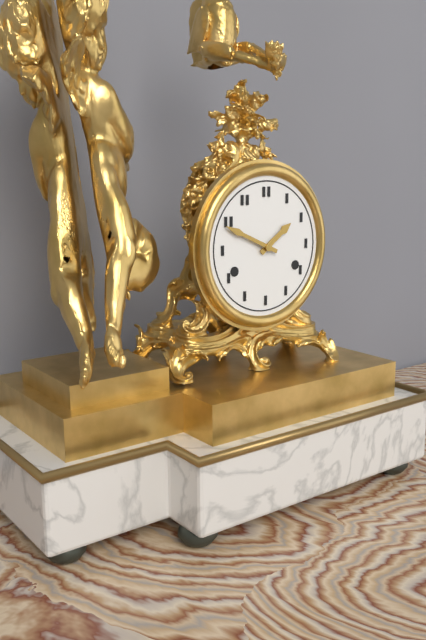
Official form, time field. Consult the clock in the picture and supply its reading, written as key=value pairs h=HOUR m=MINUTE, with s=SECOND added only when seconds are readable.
h=1 m=49
